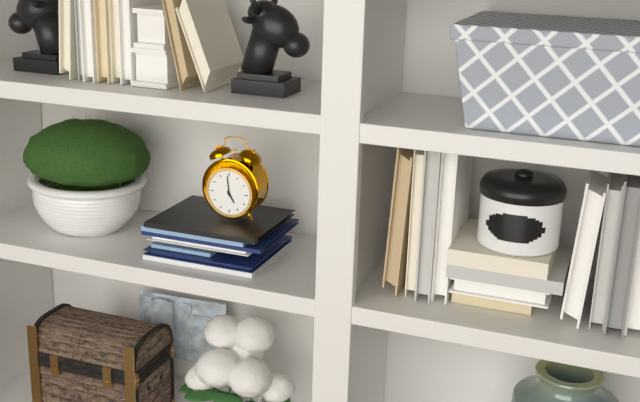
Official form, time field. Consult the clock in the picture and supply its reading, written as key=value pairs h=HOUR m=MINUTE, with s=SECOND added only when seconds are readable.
h=4 m=59
